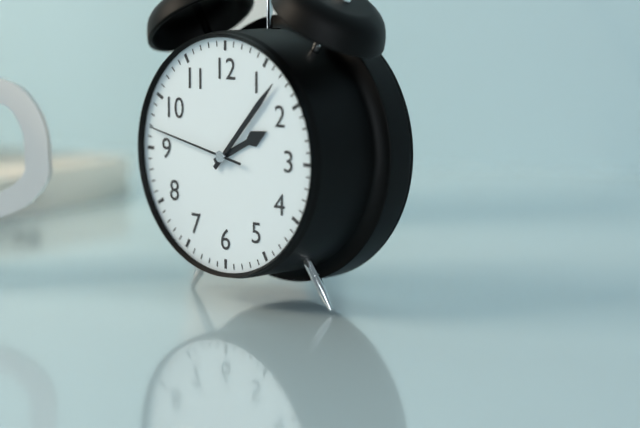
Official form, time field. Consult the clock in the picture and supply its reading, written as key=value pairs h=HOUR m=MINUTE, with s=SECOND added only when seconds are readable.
h=2 m=7 s=47
